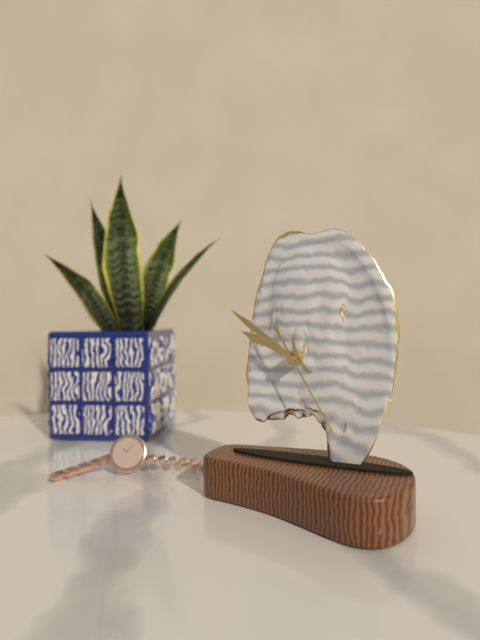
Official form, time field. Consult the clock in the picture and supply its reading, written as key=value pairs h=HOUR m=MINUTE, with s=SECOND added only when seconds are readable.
h=9 m=51 s=25
